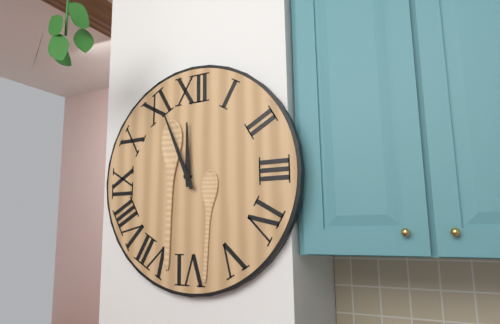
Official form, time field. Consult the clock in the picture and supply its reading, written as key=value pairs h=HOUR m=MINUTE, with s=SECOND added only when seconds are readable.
h=11 m=56
